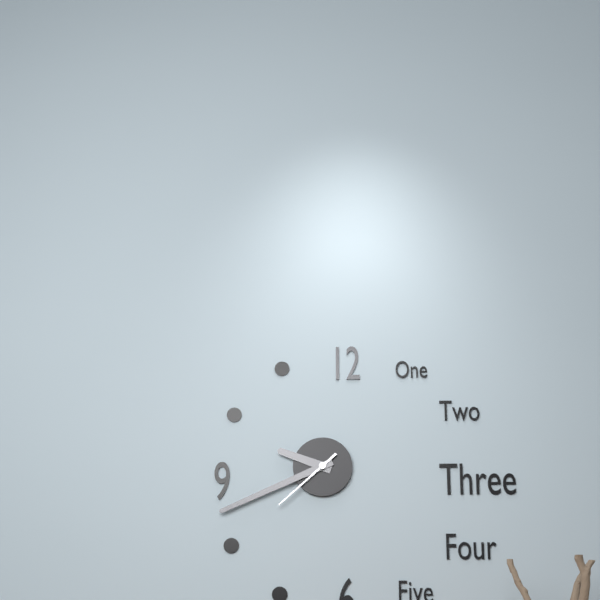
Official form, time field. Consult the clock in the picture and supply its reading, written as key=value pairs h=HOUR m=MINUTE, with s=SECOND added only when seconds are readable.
h=9 m=41 s=38
